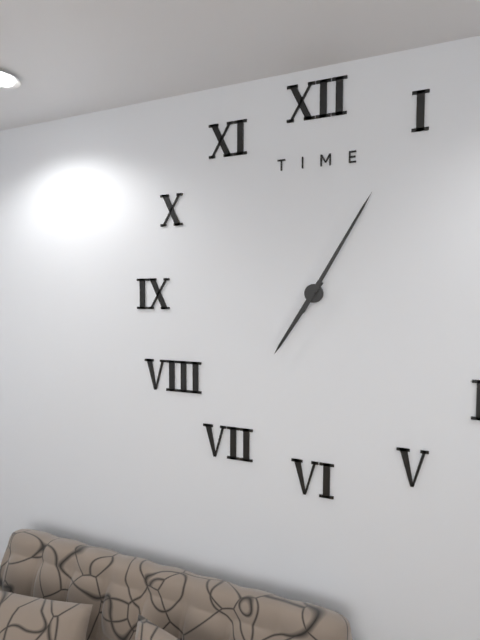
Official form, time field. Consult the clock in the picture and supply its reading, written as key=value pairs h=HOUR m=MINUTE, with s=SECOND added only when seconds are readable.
h=7 m=5
